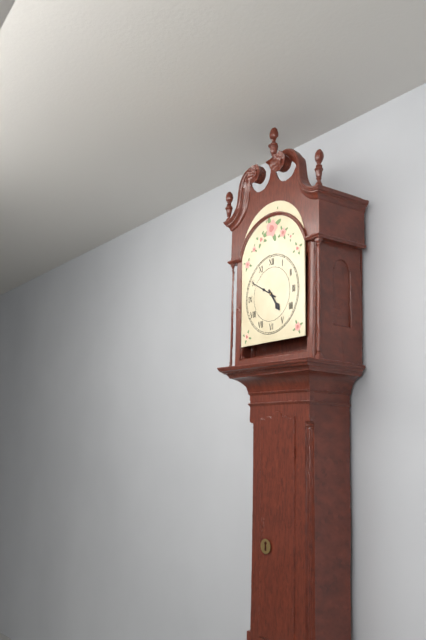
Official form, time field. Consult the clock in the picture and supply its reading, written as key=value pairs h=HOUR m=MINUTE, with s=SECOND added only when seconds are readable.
h=4 m=50
